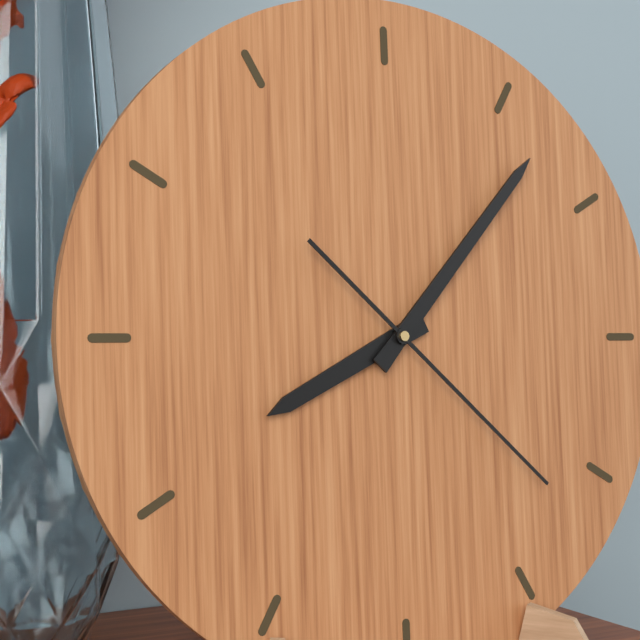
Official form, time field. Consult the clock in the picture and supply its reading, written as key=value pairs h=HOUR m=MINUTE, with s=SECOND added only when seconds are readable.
h=8 m=7 s=22
